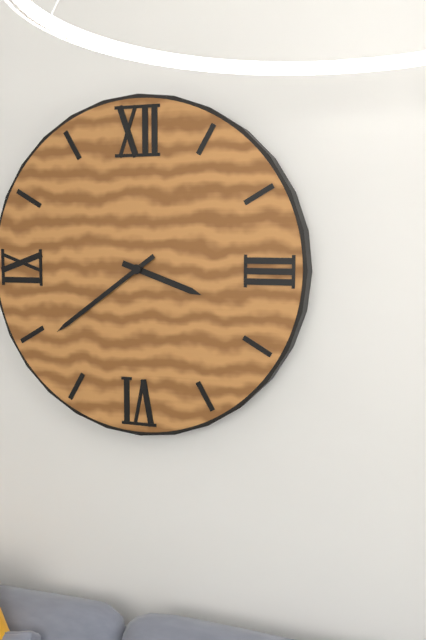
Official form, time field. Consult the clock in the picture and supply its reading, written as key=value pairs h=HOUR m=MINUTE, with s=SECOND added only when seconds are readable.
h=3 m=39
